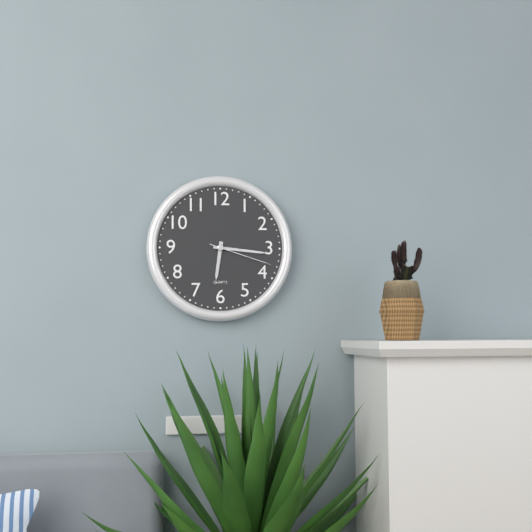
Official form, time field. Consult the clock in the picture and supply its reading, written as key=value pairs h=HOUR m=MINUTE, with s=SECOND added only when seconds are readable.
h=6 m=16 s=18
